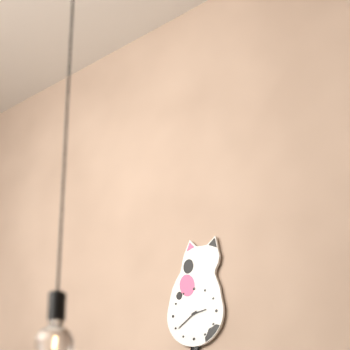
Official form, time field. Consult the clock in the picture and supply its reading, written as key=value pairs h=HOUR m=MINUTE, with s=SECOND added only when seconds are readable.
h=2 m=39
